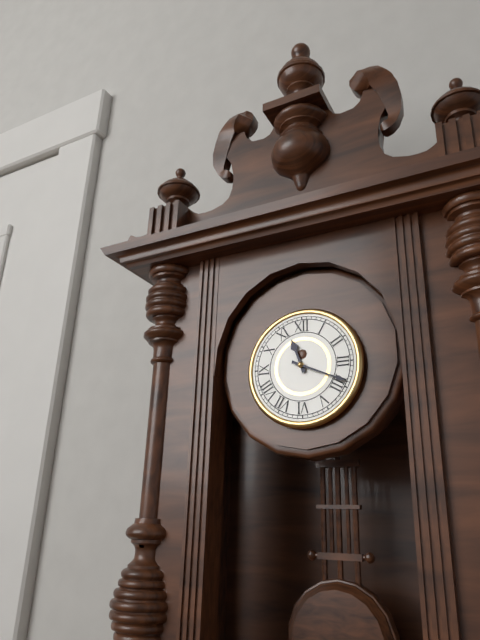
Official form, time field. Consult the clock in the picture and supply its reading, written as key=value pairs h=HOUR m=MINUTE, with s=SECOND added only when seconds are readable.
h=11 m=19
